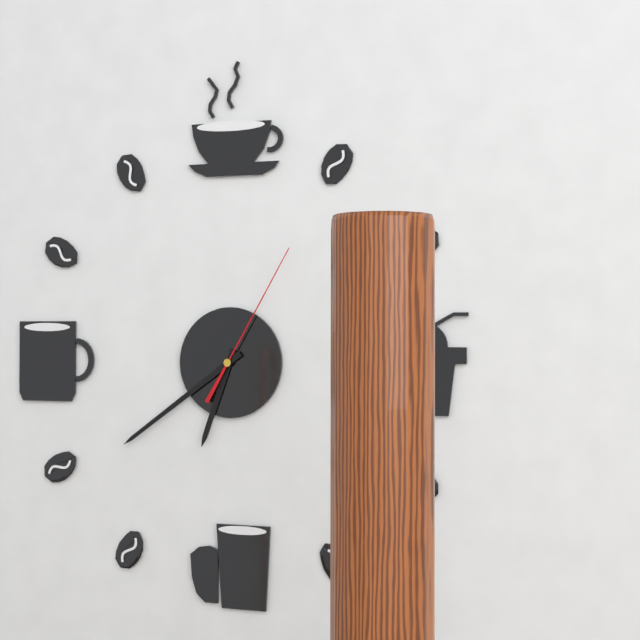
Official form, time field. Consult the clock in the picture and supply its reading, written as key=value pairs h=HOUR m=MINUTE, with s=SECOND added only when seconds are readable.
h=6 m=39 s=5
